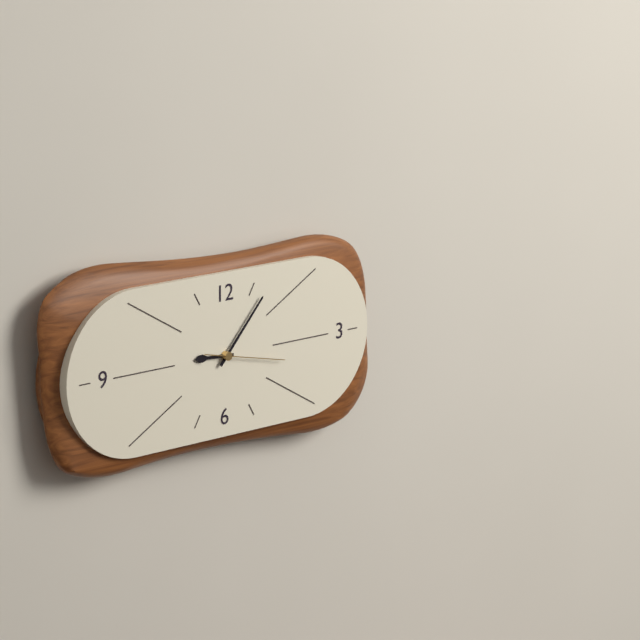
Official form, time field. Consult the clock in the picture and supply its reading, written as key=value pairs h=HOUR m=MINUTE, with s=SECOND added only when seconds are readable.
h=9 m=7 s=17
